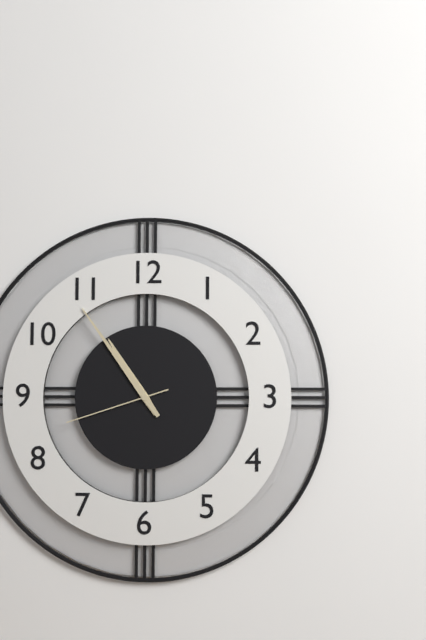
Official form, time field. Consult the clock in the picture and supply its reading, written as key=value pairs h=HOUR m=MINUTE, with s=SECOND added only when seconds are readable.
h=10 m=54 s=42
